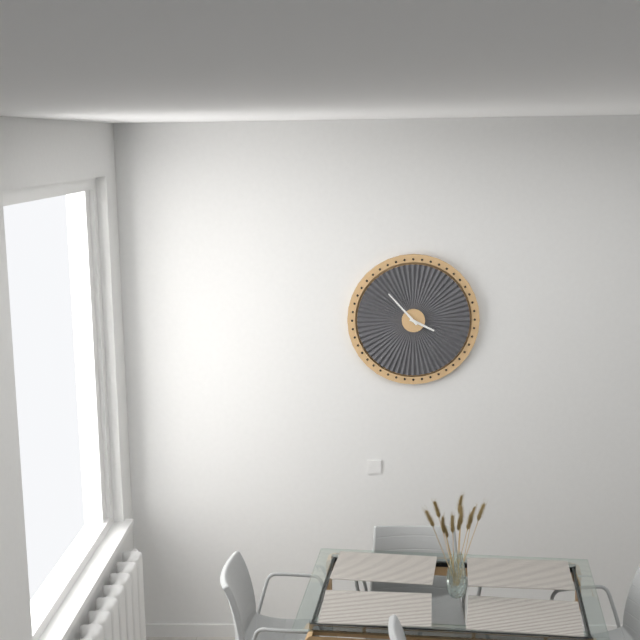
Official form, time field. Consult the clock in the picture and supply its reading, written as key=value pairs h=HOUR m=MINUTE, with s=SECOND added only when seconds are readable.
h=3 m=53
